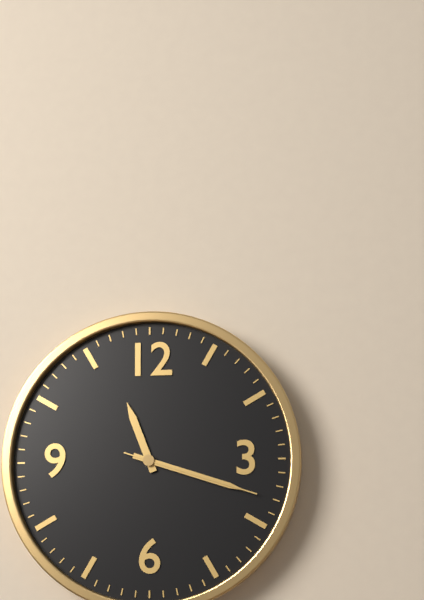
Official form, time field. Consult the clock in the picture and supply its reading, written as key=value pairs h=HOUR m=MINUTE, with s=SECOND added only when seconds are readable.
h=11 m=18 s=18
